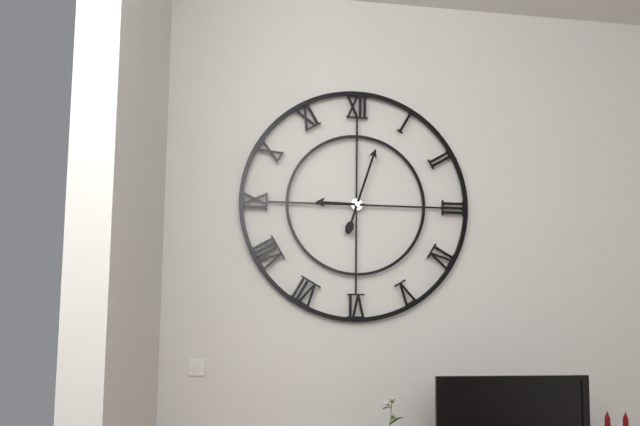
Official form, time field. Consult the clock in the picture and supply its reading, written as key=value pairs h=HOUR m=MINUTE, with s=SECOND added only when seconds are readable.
h=9 m=3
